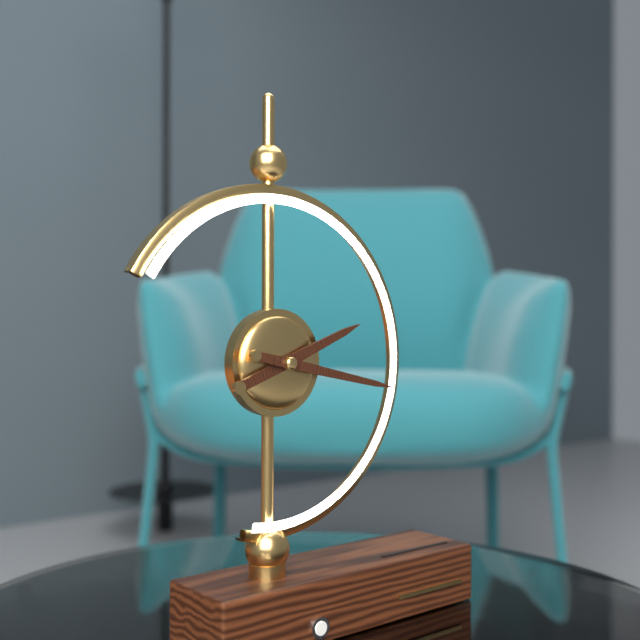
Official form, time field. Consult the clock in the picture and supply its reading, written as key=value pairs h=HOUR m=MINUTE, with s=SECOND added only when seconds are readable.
h=2 m=17
